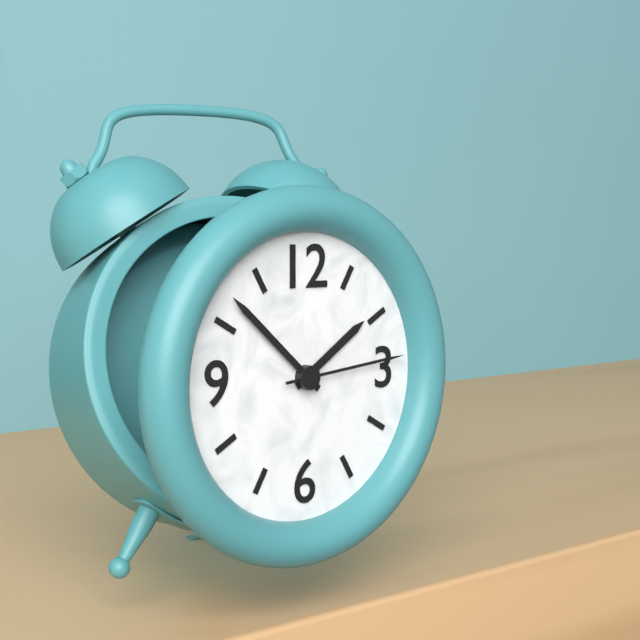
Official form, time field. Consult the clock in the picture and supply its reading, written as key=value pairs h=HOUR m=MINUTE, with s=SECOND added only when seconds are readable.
h=1 m=52 s=14
